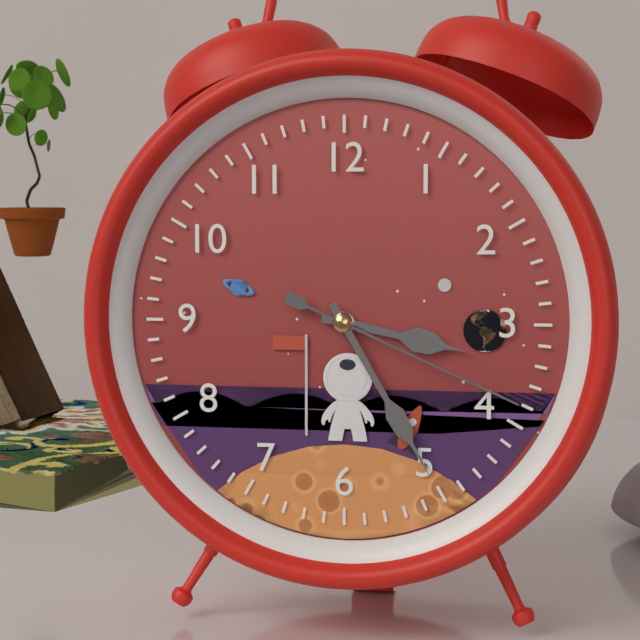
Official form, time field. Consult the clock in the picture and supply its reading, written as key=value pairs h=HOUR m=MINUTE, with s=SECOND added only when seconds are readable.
h=3 m=25 s=19
